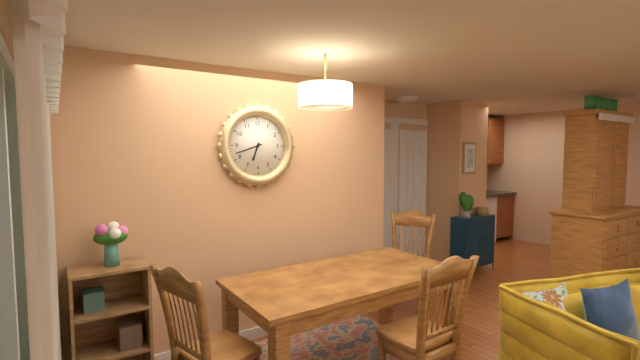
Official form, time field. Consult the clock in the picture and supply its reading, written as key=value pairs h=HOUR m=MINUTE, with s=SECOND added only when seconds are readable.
h=6 m=42
